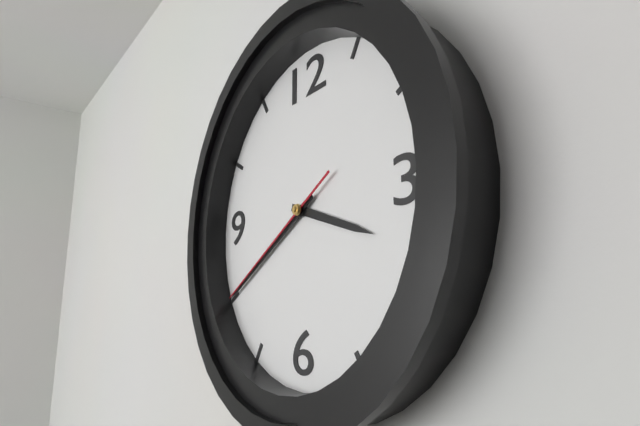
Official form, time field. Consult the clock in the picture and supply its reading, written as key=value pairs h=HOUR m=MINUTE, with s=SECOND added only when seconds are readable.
h=3 m=40 s=40
